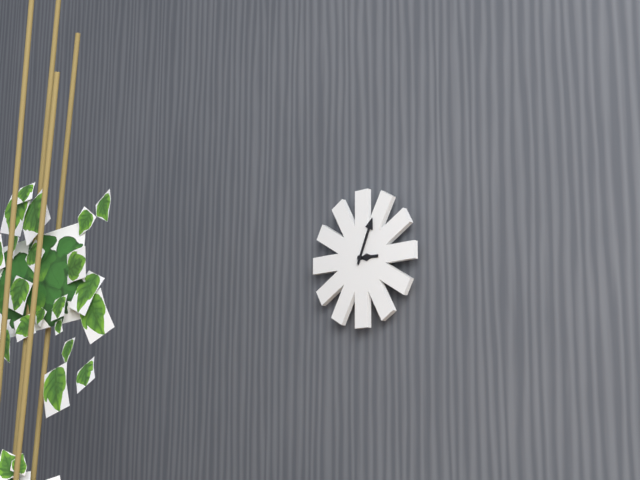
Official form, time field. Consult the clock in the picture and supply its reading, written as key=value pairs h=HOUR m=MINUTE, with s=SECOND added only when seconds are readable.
h=3 m=4
